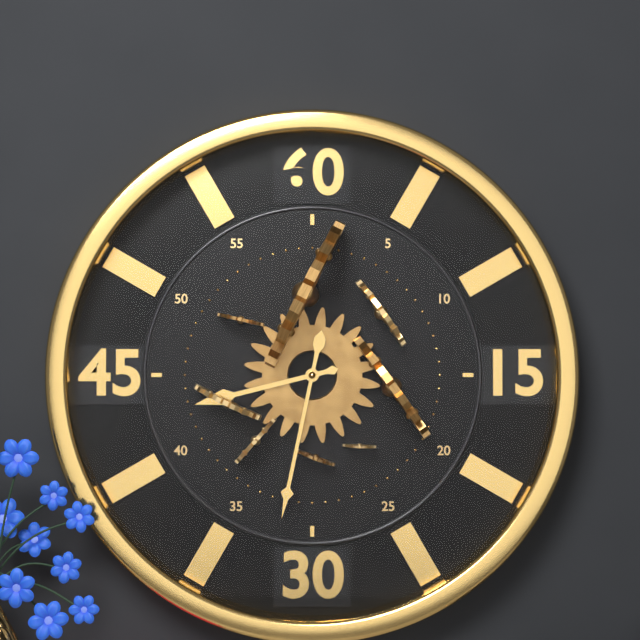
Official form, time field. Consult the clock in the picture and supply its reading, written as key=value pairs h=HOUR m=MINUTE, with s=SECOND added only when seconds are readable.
h=8 m=32
